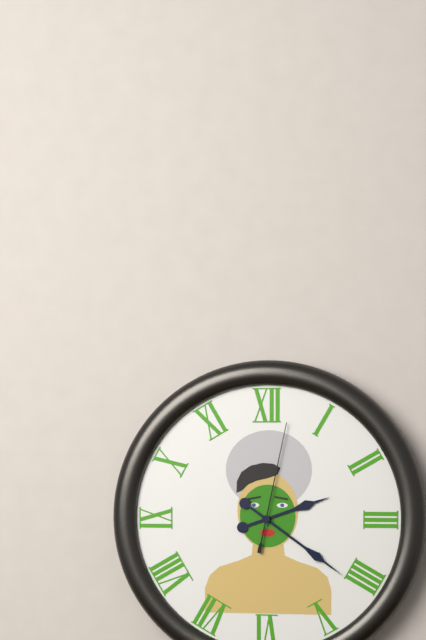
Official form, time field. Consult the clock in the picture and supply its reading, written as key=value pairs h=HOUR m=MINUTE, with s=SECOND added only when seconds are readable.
h=2 m=21 s=2
